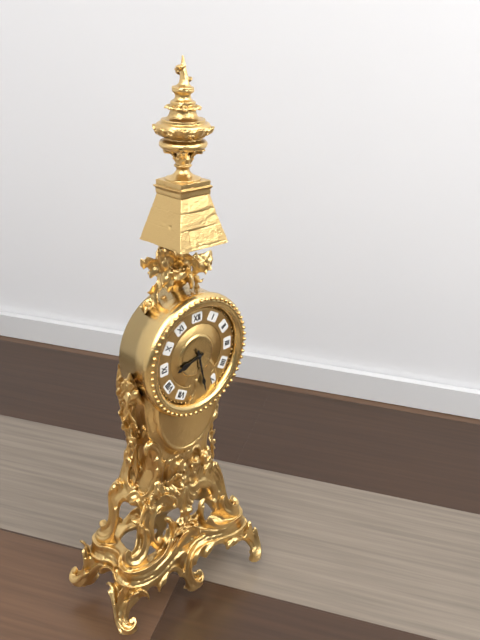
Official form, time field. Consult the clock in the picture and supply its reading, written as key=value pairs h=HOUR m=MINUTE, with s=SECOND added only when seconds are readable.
h=8 m=28
